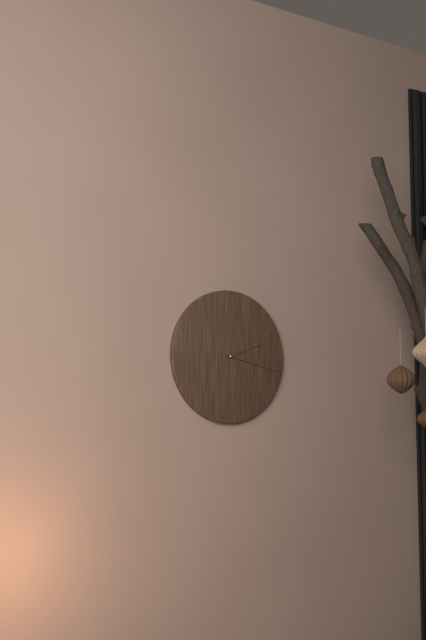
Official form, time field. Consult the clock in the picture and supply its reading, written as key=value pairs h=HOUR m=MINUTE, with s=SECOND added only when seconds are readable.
h=2 m=17
